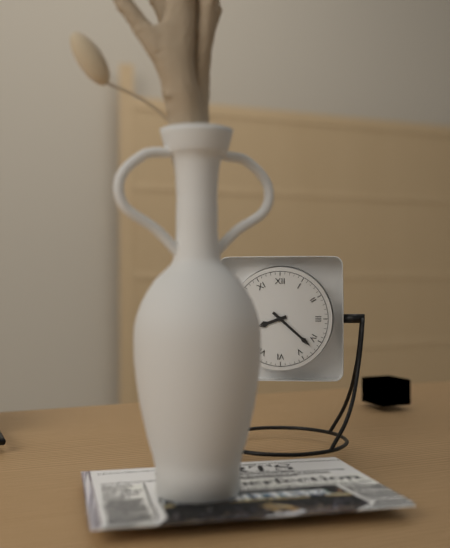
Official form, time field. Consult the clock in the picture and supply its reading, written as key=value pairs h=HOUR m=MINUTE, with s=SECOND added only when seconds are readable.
h=8 m=22
